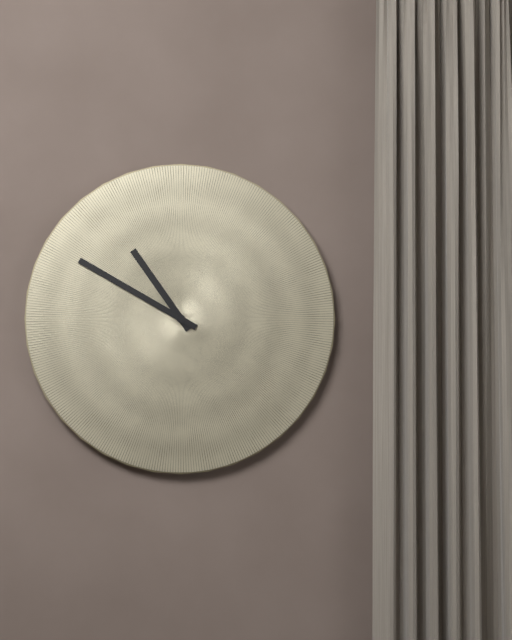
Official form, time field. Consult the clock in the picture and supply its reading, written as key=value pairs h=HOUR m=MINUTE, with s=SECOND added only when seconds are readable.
h=10 m=50
